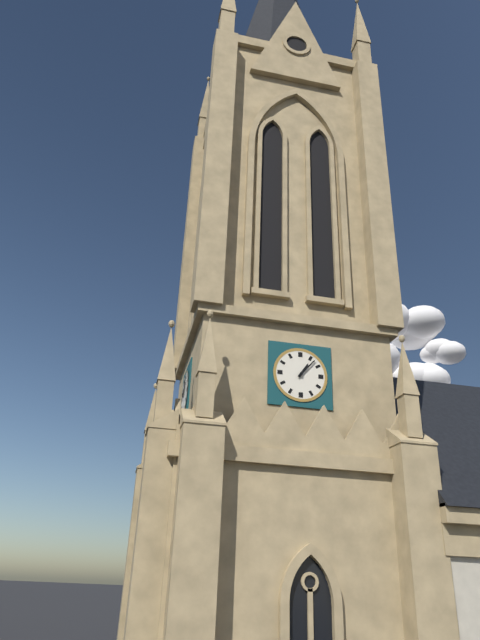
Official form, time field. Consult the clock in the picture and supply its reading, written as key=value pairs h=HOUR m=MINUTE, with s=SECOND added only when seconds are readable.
h=1 m=7
